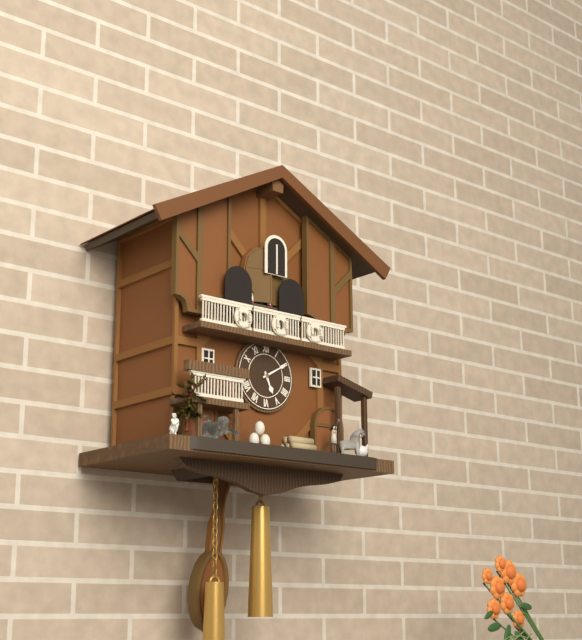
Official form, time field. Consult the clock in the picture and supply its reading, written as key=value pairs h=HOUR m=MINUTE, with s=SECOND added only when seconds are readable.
h=5 m=10
